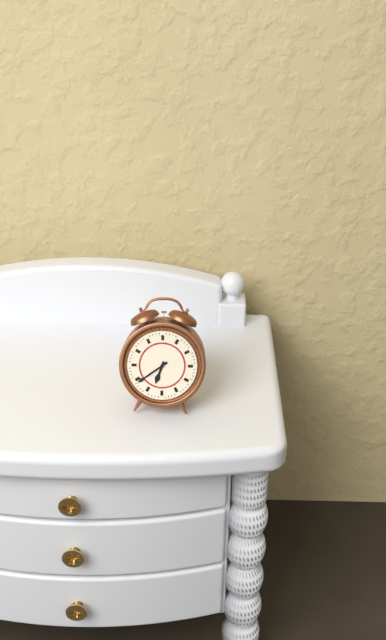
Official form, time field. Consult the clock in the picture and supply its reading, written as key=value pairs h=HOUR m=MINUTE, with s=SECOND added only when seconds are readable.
h=6 m=39
